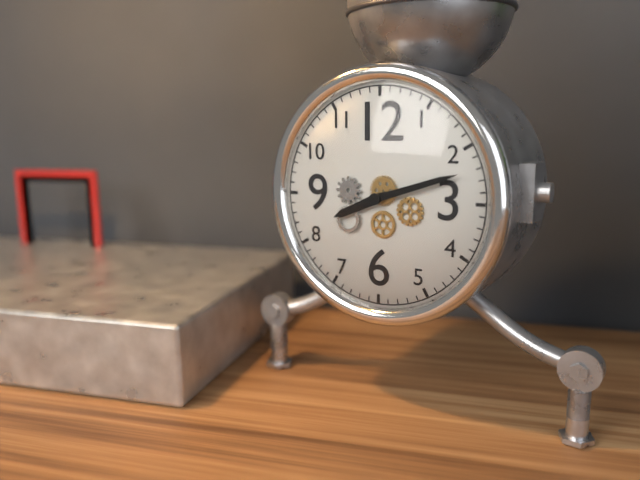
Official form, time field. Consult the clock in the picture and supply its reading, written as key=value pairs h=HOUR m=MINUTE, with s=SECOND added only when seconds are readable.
h=8 m=12
